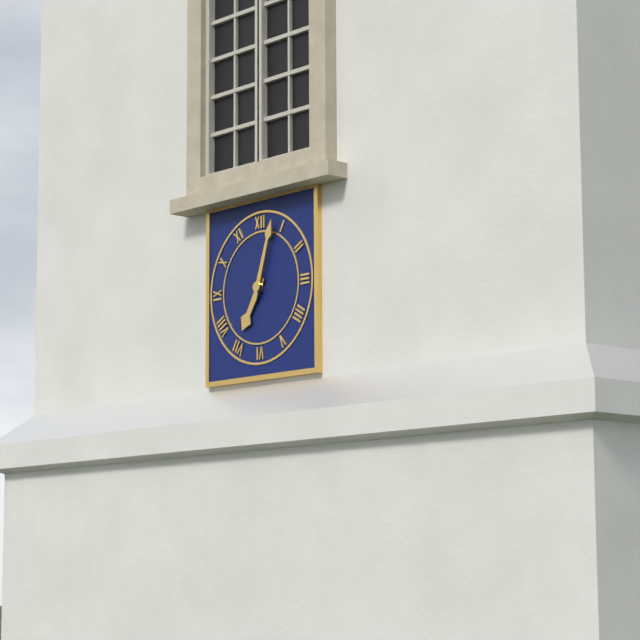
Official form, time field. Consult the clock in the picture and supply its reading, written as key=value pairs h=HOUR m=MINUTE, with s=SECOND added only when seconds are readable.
h=7 m=3
